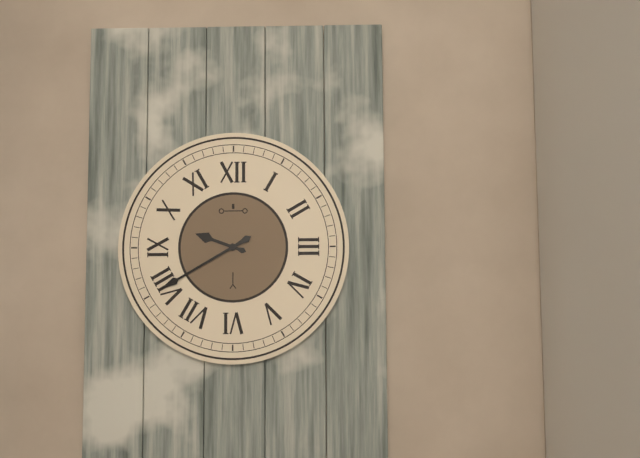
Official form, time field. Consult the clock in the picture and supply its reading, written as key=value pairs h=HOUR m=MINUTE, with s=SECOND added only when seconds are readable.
h=9 m=40
